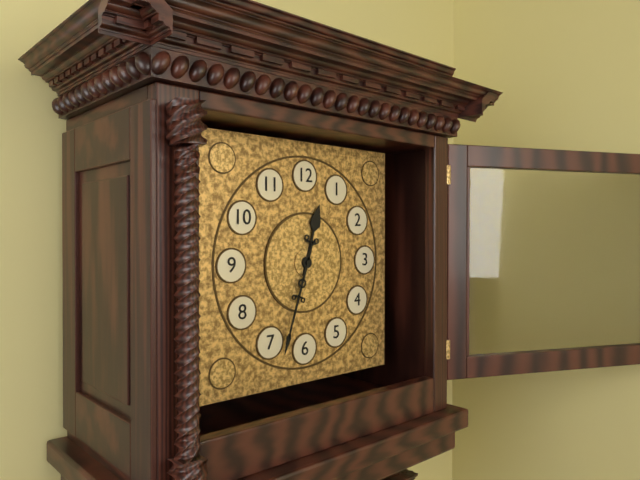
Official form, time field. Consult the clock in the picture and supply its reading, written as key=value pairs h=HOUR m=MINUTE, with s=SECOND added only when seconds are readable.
h=12 m=33
